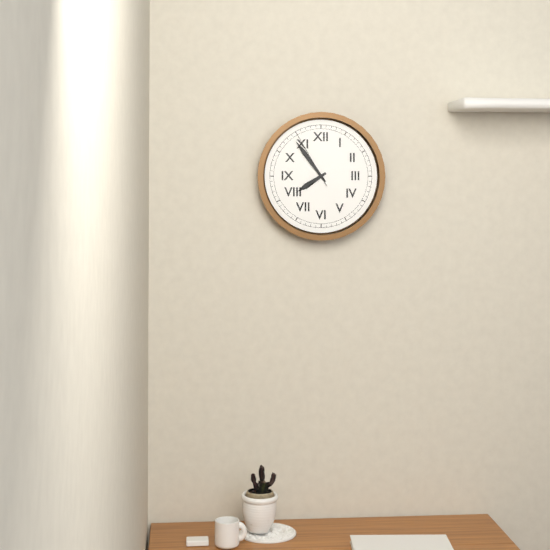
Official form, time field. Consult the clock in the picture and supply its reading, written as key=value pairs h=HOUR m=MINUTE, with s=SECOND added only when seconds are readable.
h=7 m=54 s=55
